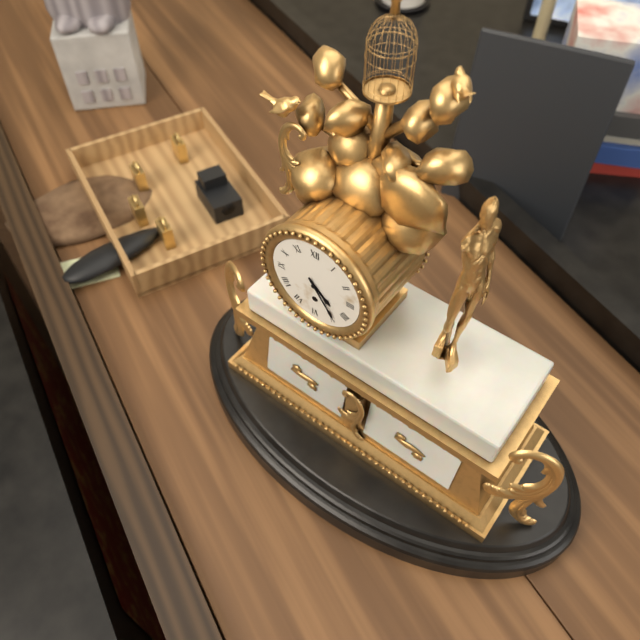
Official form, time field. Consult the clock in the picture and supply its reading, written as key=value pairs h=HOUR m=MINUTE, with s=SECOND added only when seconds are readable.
h=4 m=24
